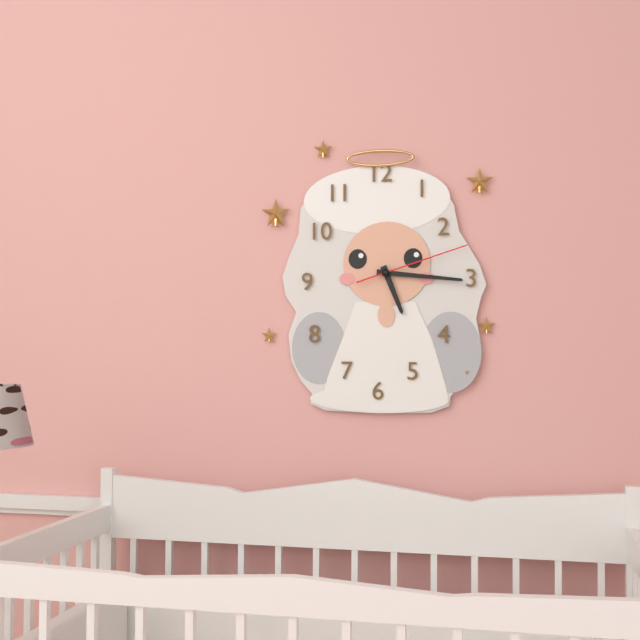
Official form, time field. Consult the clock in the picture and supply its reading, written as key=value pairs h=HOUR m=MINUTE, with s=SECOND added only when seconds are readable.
h=5 m=16 s=12
